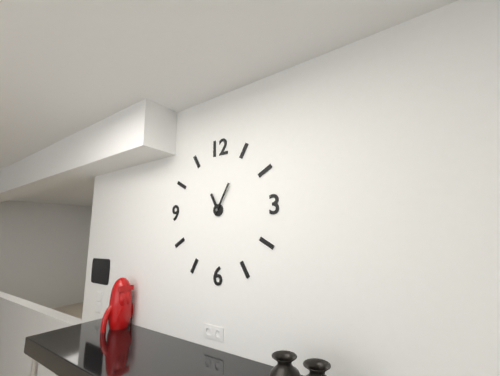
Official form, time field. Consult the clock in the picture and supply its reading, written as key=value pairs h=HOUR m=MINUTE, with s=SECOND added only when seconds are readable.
h=11 m=5
